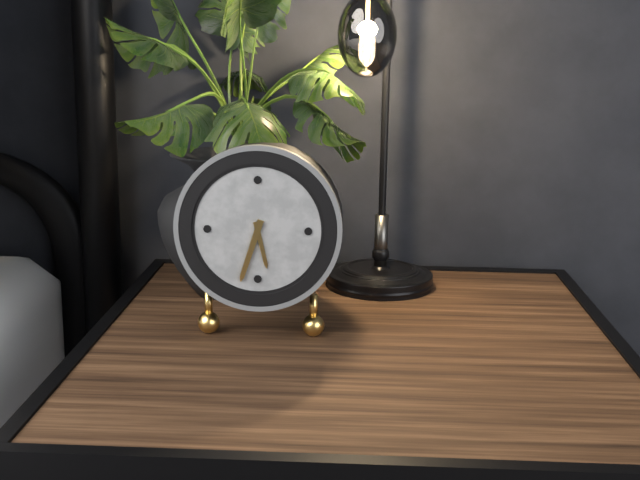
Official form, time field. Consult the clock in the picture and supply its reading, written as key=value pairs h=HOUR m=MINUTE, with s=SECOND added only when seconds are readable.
h=5 m=33
